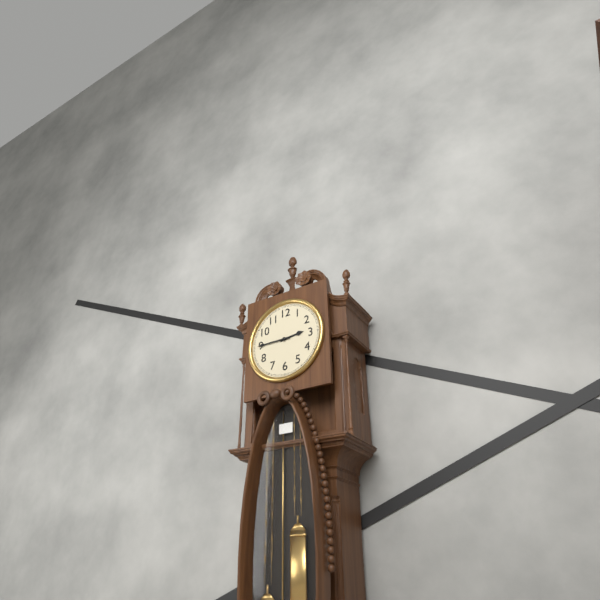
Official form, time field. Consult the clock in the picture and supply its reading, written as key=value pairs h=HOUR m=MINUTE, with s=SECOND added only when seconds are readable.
h=2 m=45
